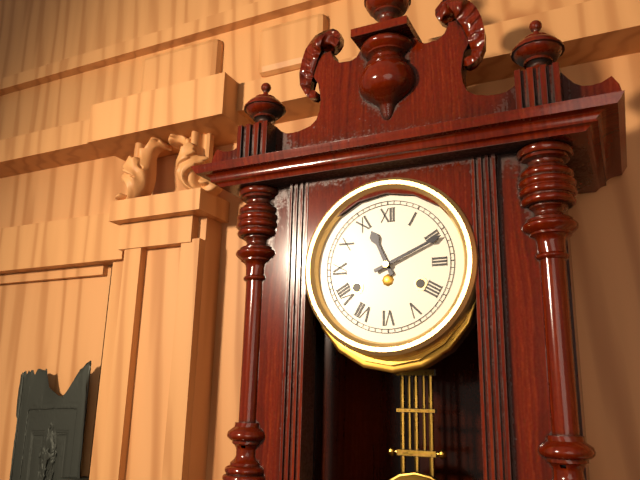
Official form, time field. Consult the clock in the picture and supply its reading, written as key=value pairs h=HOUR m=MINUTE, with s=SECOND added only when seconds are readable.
h=11 m=11
